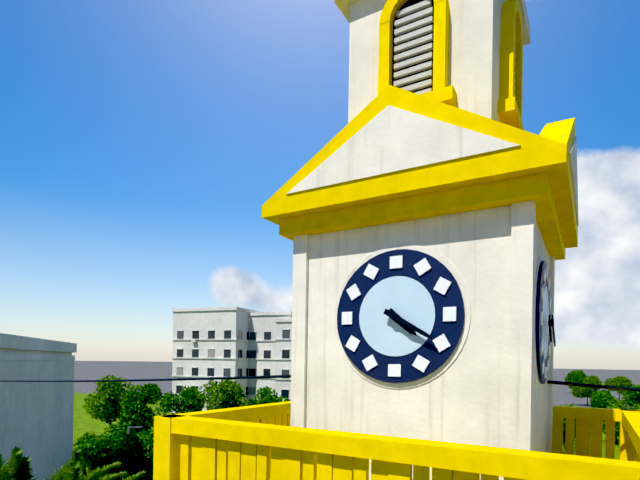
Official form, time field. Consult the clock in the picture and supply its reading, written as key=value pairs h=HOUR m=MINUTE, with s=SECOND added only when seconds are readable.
h=4 m=20
